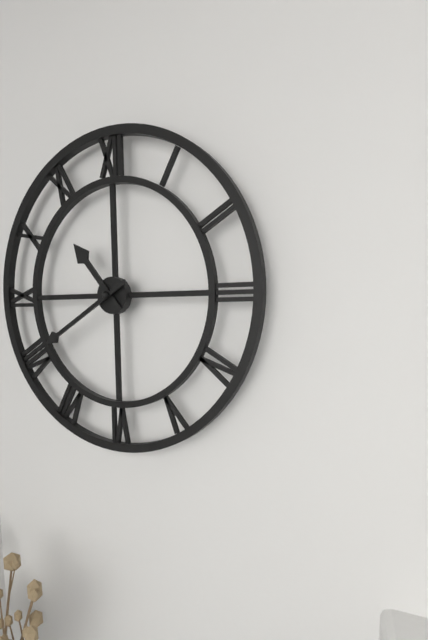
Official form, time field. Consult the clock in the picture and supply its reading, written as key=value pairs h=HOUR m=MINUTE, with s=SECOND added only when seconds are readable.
h=10 m=40
